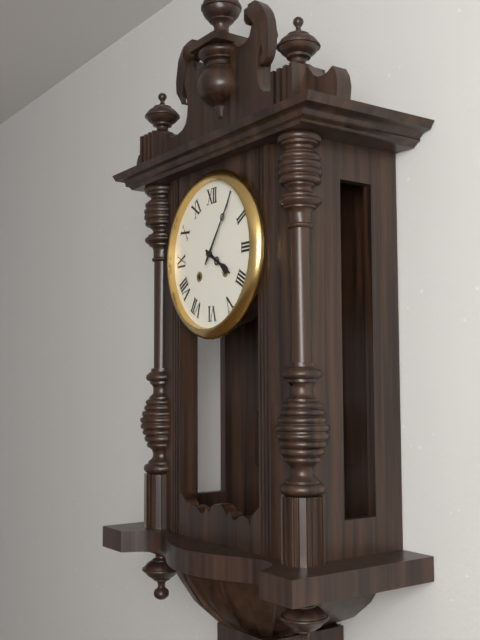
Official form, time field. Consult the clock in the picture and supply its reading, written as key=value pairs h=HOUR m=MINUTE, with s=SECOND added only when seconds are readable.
h=4 m=6
